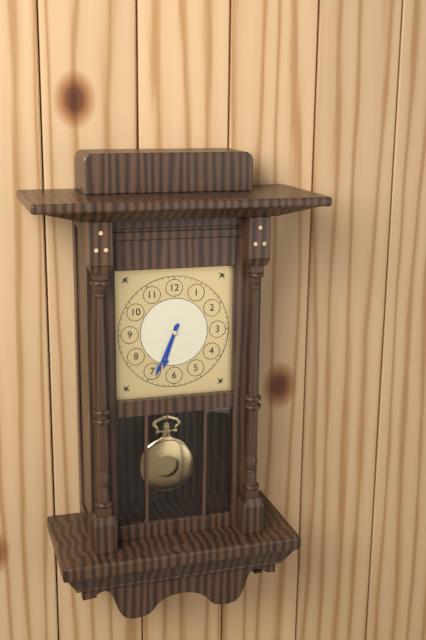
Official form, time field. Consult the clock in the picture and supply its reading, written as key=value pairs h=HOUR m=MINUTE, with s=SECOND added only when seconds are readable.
h=6 m=34
